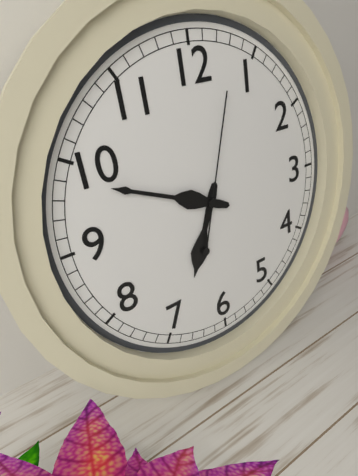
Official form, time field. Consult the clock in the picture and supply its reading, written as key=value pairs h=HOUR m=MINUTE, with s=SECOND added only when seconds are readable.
h=6 m=49 s=3
